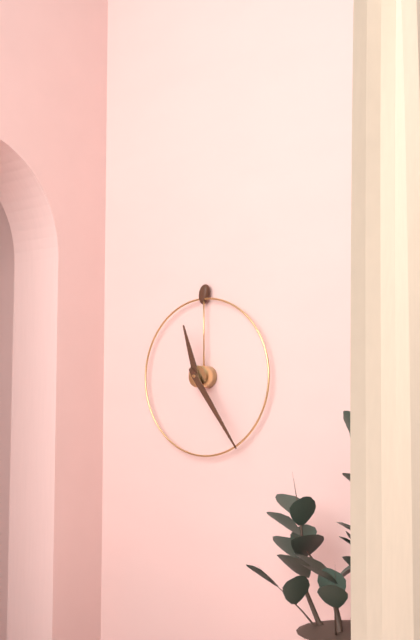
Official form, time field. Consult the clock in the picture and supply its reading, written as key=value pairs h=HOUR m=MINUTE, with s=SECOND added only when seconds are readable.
h=11 m=24
